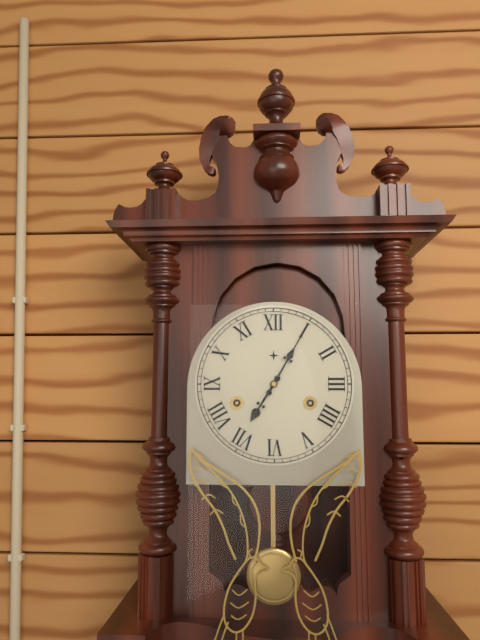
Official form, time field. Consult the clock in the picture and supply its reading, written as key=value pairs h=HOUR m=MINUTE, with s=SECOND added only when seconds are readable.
h=7 m=5
